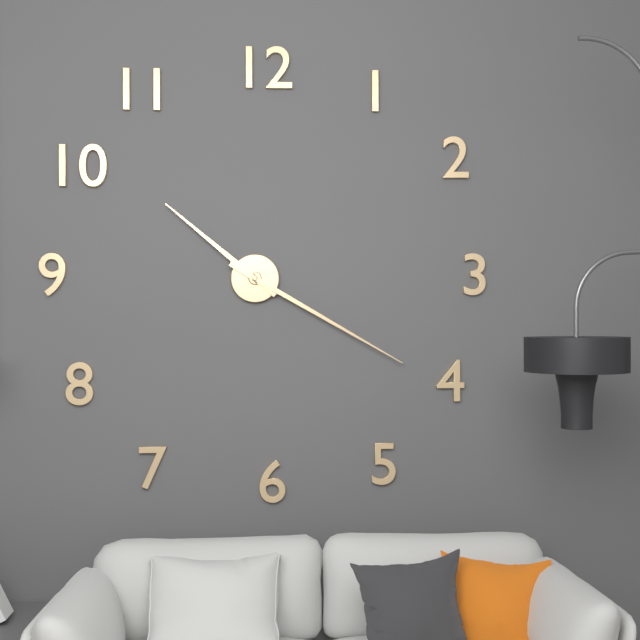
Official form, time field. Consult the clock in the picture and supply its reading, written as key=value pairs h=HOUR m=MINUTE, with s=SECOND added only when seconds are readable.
h=10 m=20
